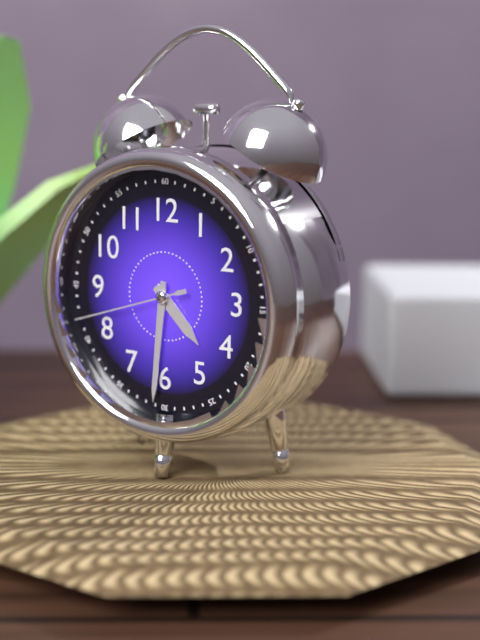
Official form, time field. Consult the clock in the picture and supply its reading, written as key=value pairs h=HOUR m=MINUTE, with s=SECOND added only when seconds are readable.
h=4 m=31 s=42
